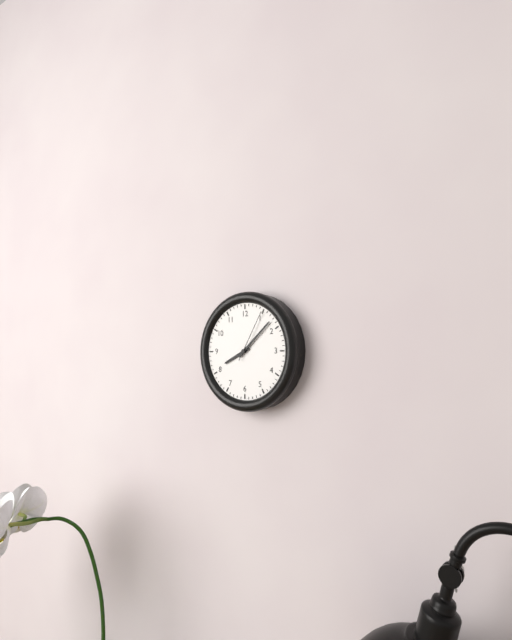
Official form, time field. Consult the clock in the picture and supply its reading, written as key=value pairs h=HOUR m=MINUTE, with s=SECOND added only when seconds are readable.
h=8 m=8 s=5
